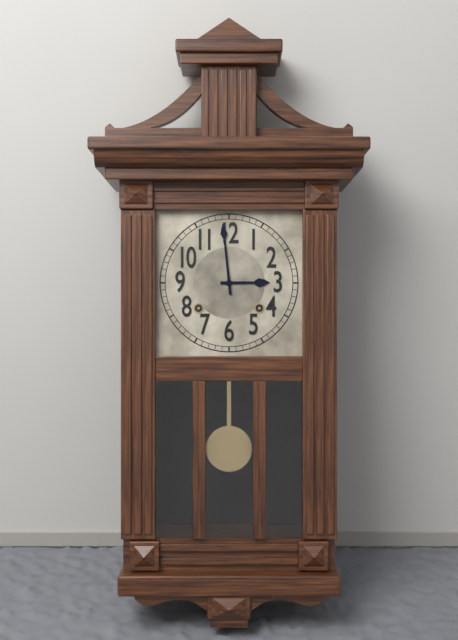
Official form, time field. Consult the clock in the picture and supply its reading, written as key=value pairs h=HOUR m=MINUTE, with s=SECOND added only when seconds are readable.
h=2 m=59
